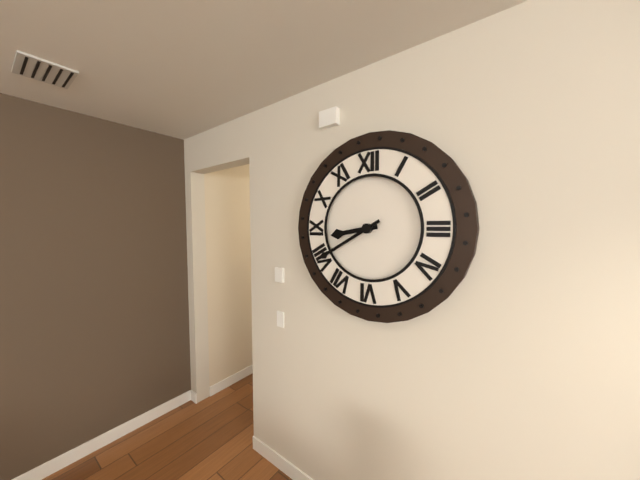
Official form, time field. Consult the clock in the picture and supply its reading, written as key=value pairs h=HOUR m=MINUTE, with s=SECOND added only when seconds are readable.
h=8 m=40
